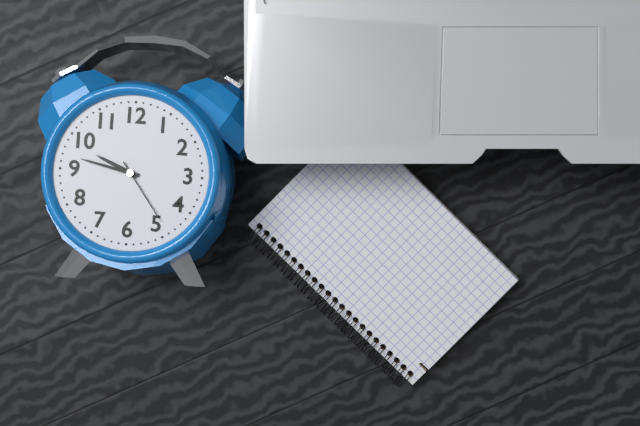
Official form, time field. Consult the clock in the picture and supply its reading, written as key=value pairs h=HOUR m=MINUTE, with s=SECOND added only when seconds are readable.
h=9 m=47 s=24
